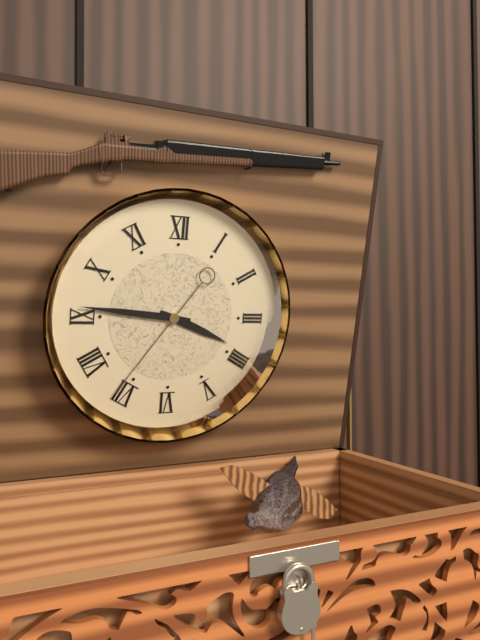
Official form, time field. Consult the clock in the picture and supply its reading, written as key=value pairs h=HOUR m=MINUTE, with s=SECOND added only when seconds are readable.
h=3 m=46 s=36
